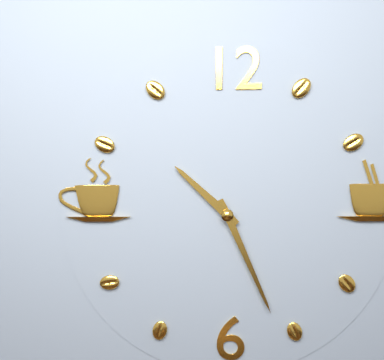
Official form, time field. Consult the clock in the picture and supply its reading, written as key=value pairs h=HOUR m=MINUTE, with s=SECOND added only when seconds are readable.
h=10 m=26
